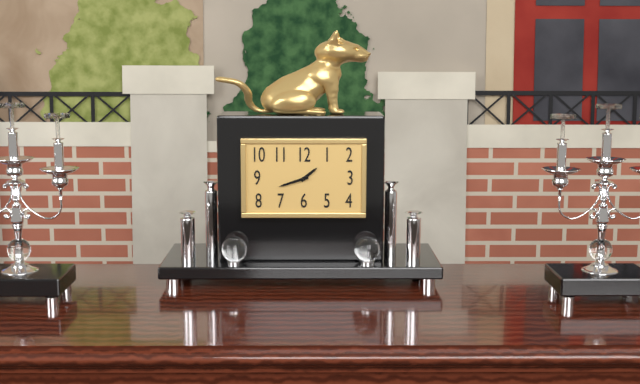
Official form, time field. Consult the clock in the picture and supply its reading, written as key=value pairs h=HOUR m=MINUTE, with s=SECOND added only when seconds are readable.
h=1 m=42
